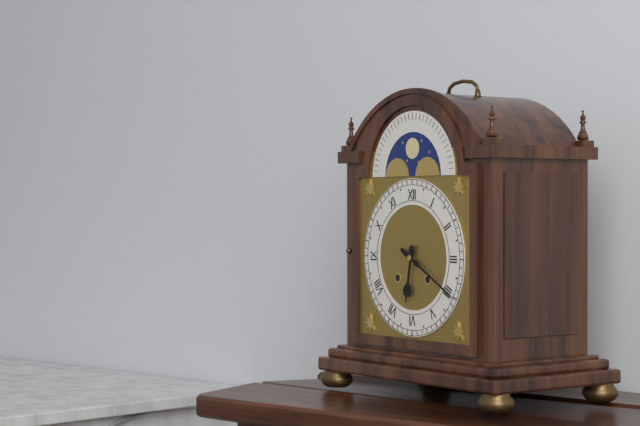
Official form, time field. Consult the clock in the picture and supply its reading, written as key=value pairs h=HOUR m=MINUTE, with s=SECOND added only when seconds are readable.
h=6 m=20
